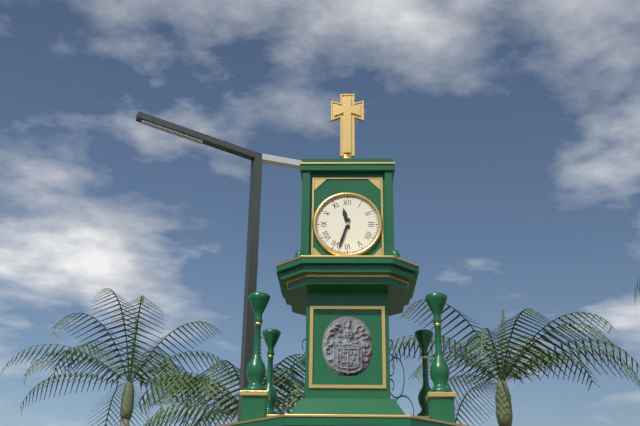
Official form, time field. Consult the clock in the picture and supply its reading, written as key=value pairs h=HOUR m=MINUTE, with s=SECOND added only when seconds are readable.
h=11 m=33
